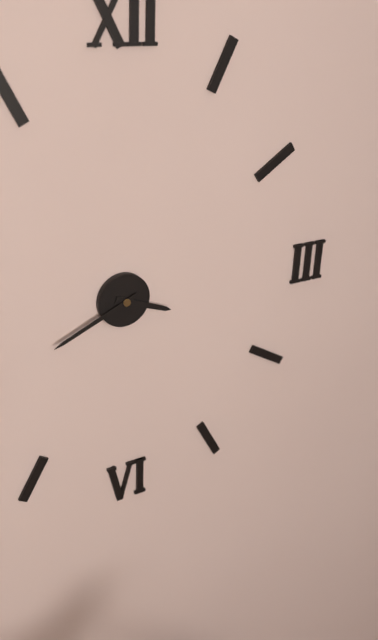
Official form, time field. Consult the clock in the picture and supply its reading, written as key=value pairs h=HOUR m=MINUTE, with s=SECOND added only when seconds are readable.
h=3 m=41
